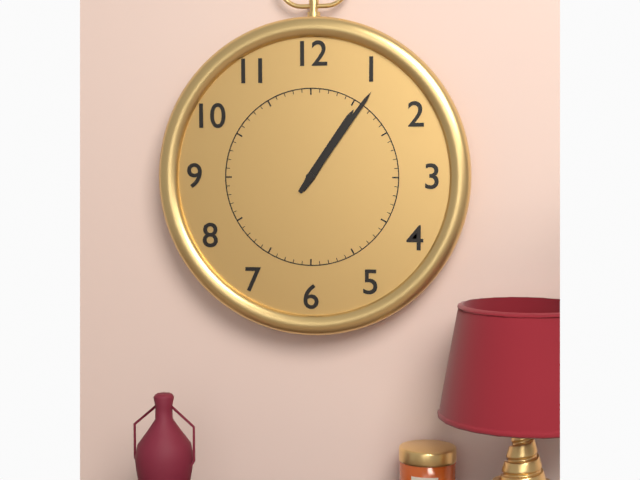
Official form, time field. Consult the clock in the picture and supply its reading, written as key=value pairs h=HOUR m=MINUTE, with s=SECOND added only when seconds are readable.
h=1 m=6
